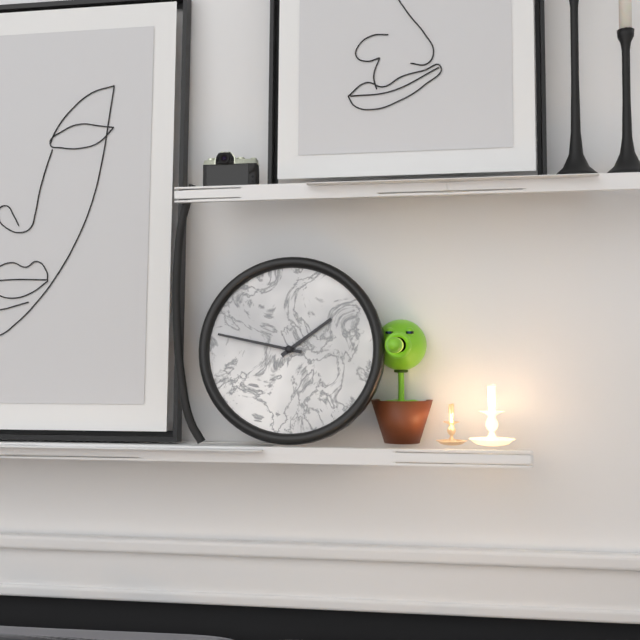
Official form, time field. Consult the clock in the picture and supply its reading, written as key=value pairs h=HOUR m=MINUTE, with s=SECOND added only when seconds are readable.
h=1 m=47
